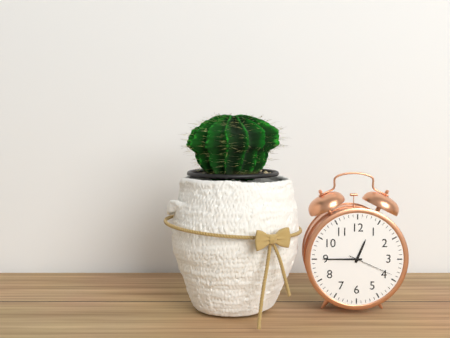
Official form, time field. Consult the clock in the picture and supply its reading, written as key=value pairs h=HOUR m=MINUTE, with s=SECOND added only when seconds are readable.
h=12 m=45
